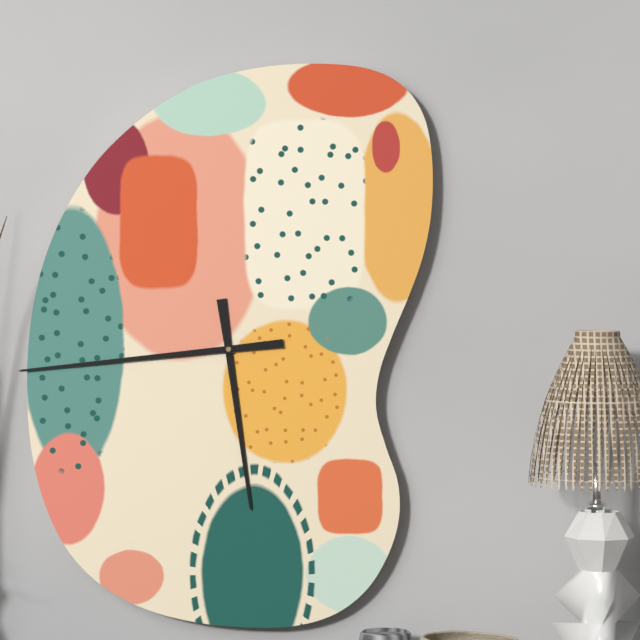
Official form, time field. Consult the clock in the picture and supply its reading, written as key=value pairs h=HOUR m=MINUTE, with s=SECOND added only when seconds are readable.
h=5 m=44
